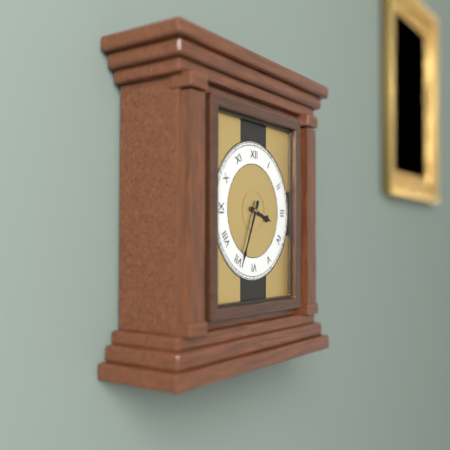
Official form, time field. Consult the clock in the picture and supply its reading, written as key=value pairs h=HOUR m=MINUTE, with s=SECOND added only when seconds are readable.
h=3 m=34
